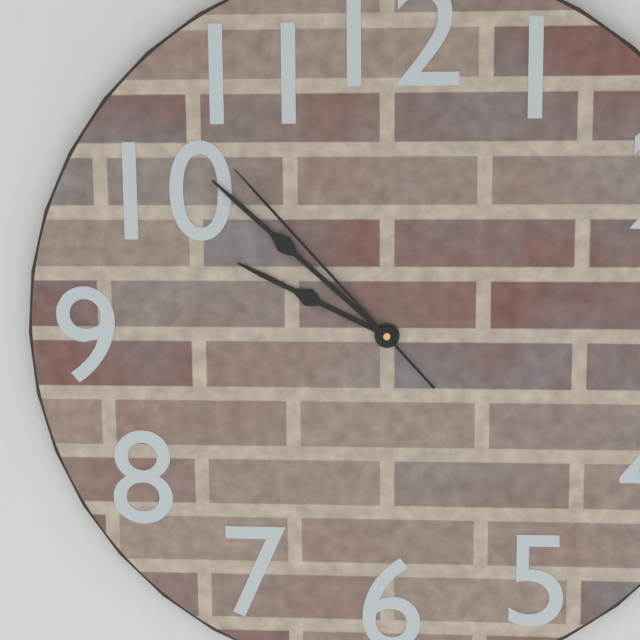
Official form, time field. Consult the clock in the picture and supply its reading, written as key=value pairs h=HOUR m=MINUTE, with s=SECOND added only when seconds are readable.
h=9 m=52 s=53
